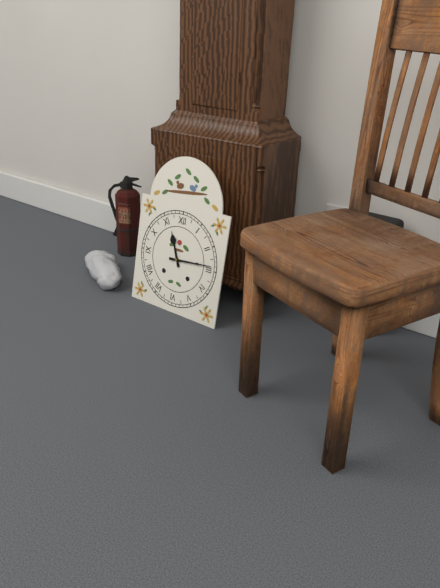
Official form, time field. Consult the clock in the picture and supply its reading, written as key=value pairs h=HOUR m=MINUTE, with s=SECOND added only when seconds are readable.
h=11 m=14
